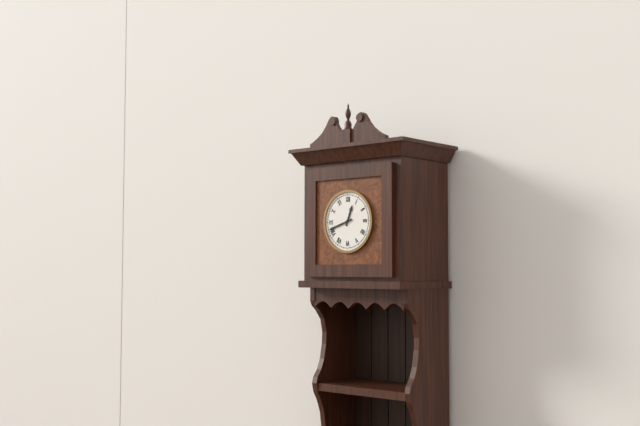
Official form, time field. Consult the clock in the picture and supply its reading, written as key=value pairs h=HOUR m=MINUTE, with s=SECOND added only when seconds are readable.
h=12 m=42
